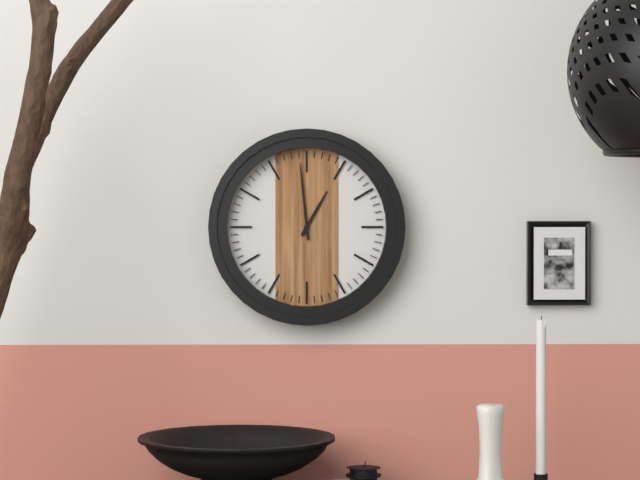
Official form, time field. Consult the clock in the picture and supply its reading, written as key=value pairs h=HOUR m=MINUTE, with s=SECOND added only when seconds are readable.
h=12 m=59
